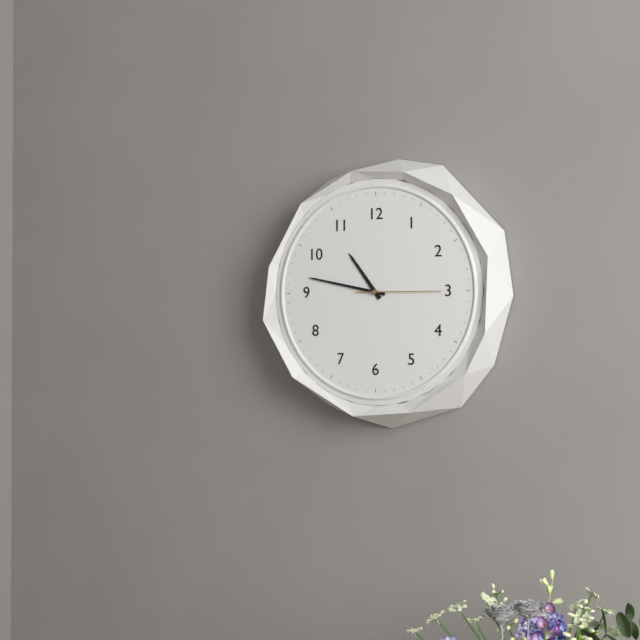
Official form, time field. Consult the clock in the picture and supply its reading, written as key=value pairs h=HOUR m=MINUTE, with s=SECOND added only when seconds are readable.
h=10 m=47 s=15
